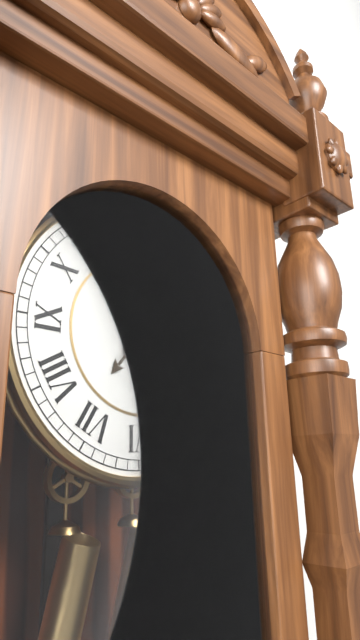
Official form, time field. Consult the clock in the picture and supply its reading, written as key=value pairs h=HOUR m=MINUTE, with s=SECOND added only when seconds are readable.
h=7 m=17
